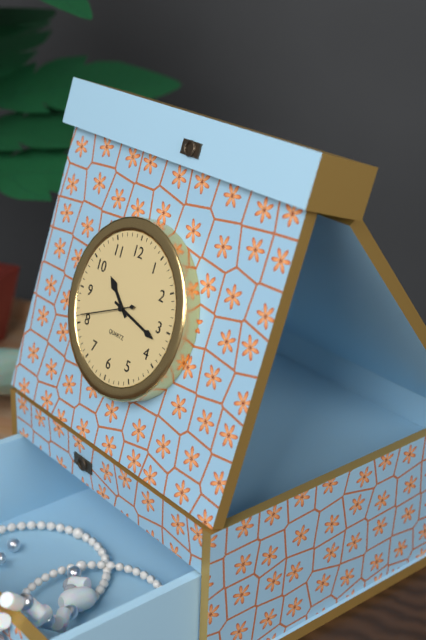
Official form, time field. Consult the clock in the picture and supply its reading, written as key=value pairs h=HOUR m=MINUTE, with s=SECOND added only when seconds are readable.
h=10 m=17 s=41
